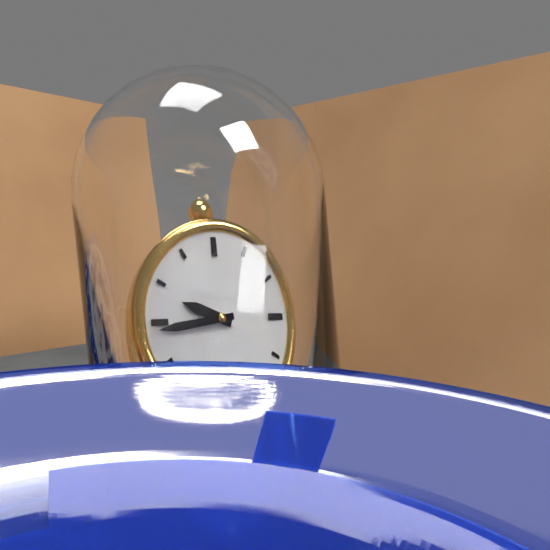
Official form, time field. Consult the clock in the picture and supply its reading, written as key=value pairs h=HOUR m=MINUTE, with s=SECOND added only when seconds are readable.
h=9 m=44
